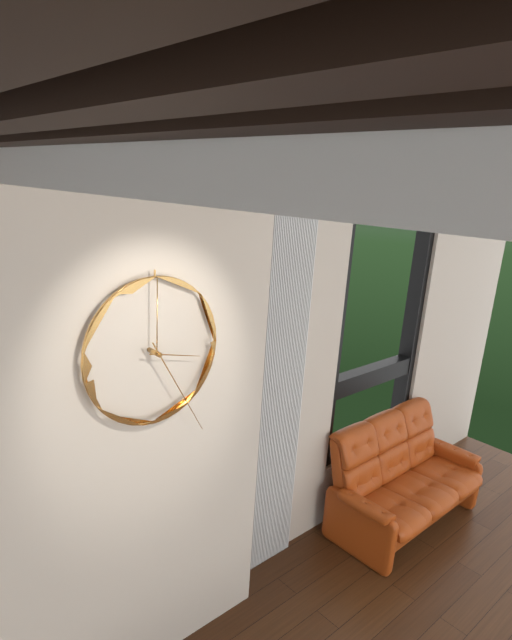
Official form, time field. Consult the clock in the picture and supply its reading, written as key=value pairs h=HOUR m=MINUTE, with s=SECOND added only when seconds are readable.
h=3 m=25
